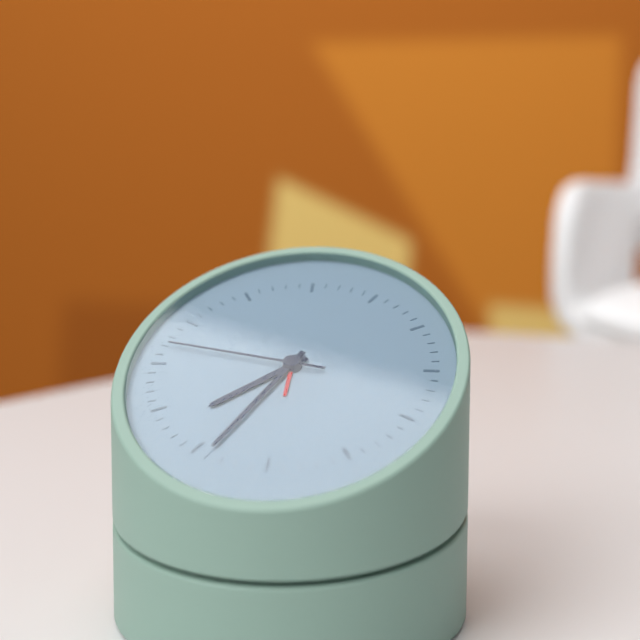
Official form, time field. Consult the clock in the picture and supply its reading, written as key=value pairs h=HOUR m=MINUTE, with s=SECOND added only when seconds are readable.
h=7 m=34 s=47
